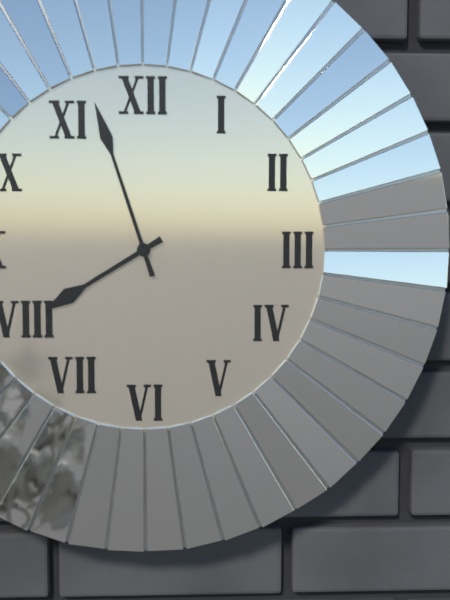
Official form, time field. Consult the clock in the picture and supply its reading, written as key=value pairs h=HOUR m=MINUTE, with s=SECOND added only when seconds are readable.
h=7 m=57
